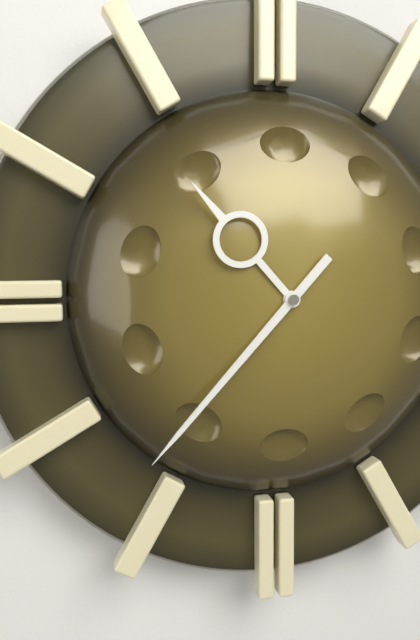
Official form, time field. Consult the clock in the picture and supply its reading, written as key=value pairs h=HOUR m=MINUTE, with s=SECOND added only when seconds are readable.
h=10 m=37
